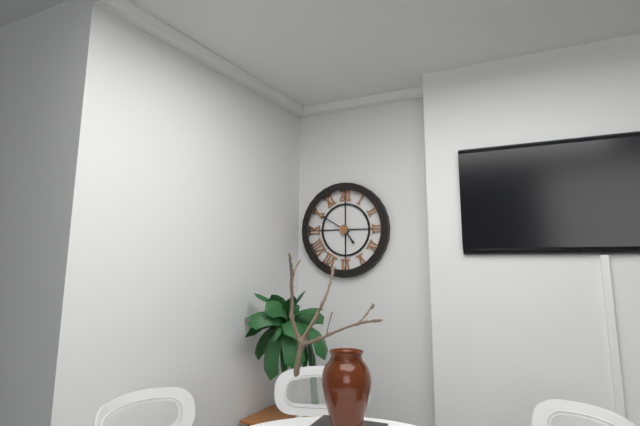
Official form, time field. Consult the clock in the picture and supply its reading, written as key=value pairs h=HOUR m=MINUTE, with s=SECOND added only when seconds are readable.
h=4 m=50
